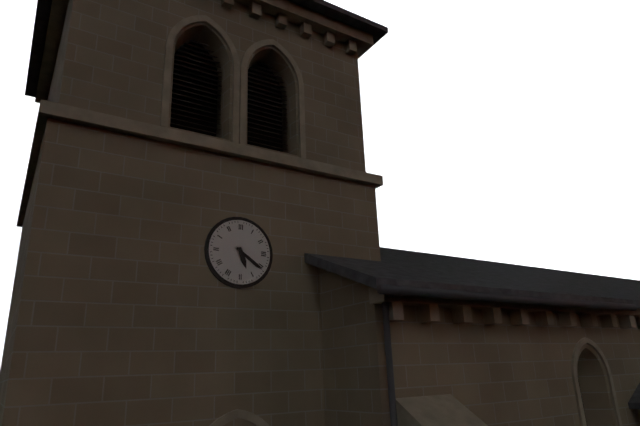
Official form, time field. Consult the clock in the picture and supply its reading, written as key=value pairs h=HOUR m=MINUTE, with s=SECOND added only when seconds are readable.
h=5 m=21
